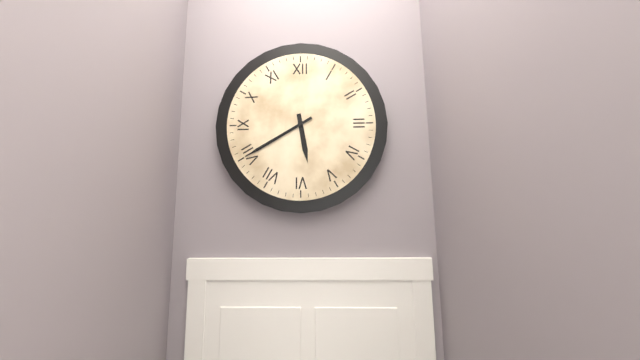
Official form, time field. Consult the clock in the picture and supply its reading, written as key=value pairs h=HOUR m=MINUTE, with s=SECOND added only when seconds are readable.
h=5 m=40
